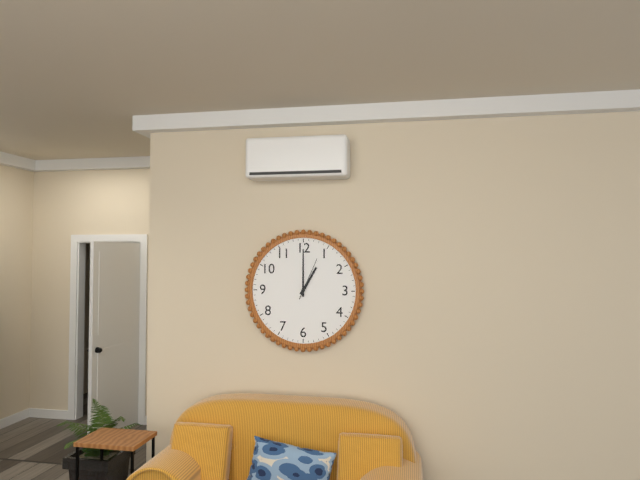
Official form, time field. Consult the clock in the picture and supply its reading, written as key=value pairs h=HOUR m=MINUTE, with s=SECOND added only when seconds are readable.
h=1 m=0
